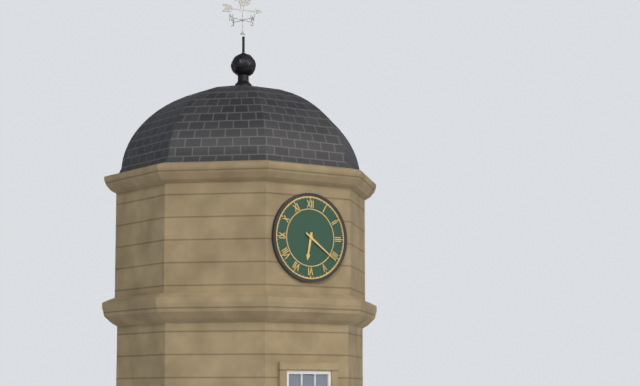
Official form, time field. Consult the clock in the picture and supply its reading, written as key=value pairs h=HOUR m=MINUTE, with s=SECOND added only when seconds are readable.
h=6 m=21
